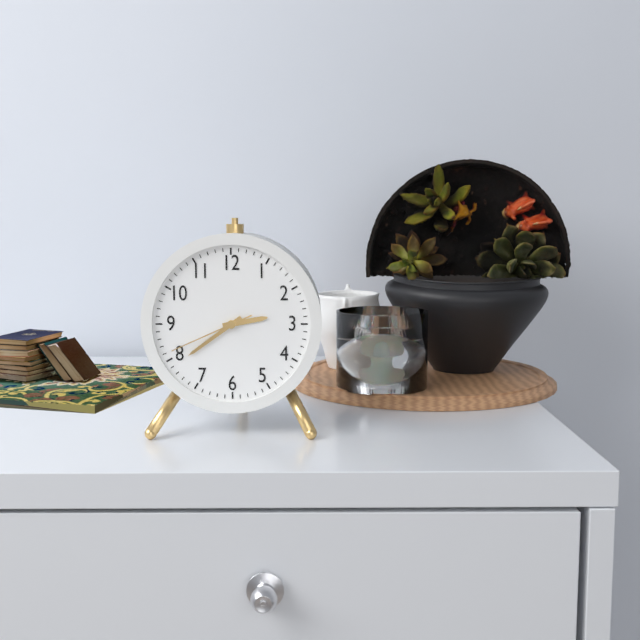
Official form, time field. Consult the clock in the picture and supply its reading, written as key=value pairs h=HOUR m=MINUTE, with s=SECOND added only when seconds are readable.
h=2 m=39 s=41
